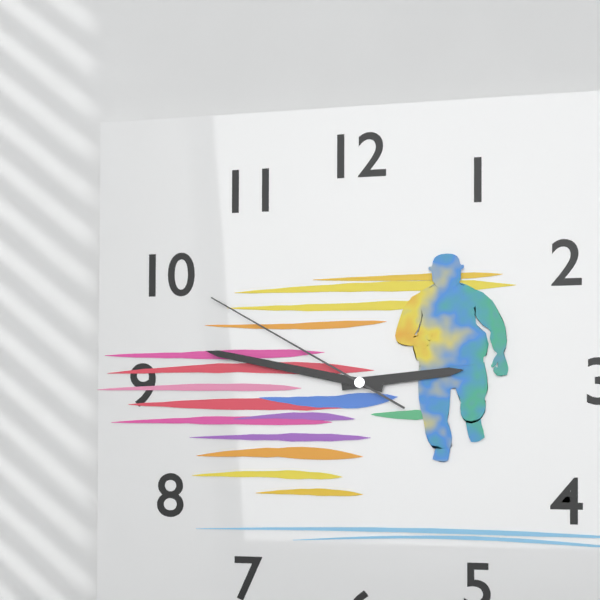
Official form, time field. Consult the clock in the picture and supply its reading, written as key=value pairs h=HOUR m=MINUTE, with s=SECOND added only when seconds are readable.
h=2 m=47 s=50
